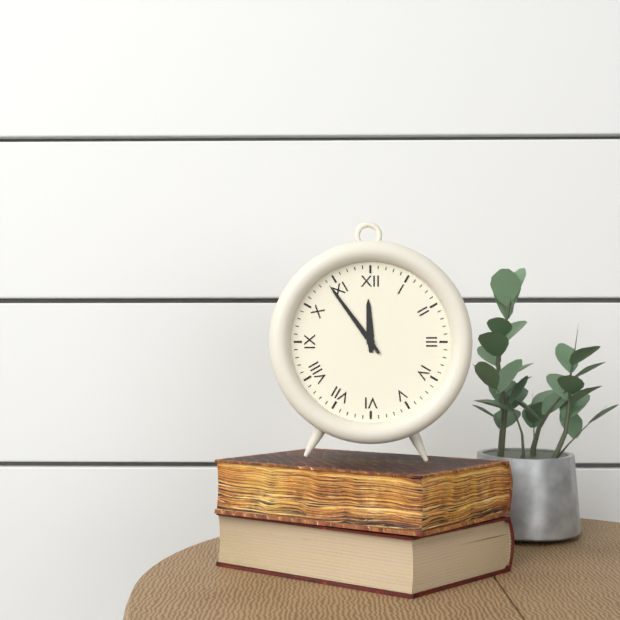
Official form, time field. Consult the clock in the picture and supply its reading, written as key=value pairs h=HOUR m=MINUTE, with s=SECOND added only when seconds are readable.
h=11 m=54
